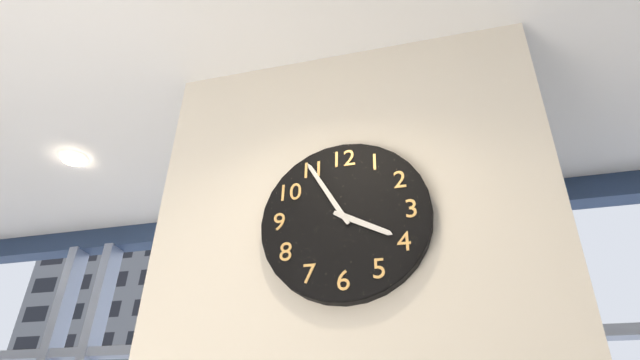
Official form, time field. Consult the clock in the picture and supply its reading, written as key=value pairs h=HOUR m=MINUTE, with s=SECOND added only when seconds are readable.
h=3 m=55
